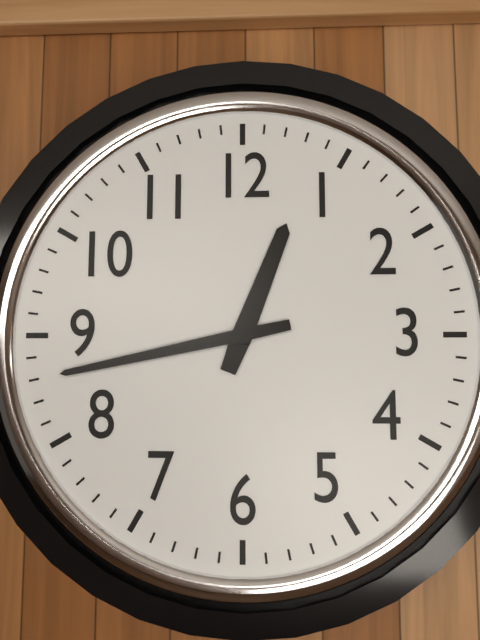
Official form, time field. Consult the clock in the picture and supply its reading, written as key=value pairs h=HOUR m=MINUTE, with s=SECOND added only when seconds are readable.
h=12 m=43
